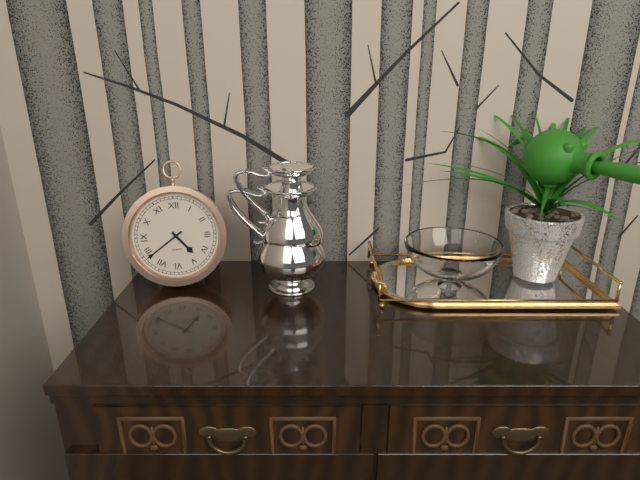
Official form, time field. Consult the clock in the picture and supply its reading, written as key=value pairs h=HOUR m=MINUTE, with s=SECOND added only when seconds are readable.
h=4 m=39
